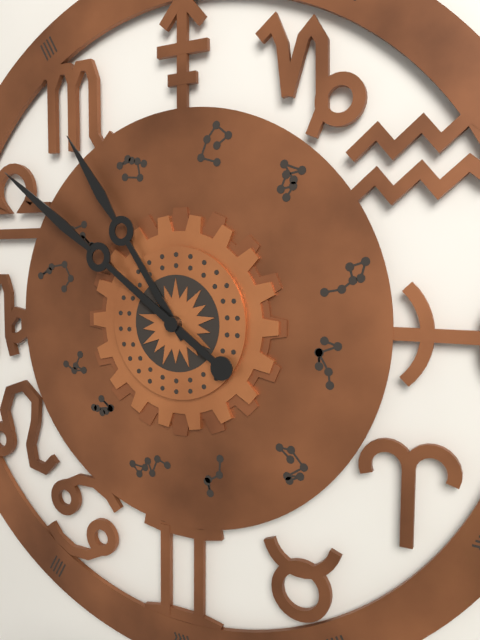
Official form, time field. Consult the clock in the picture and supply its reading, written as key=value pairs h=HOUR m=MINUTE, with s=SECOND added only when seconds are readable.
h=10 m=51
